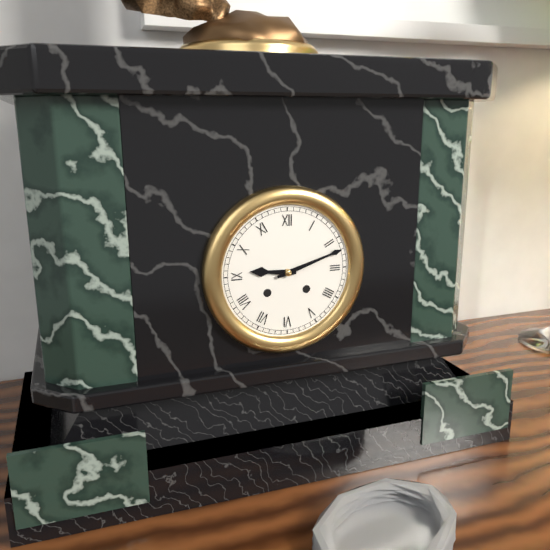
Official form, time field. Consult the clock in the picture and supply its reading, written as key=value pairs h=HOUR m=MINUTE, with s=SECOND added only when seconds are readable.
h=9 m=12
